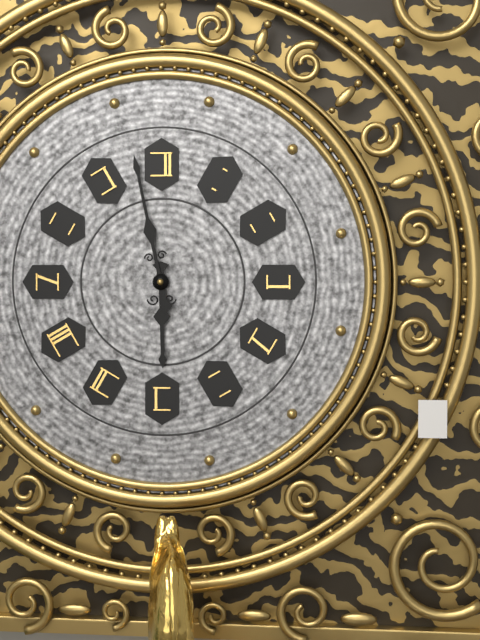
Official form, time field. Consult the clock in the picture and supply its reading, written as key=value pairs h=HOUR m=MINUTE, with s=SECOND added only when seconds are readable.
h=5 m=58
